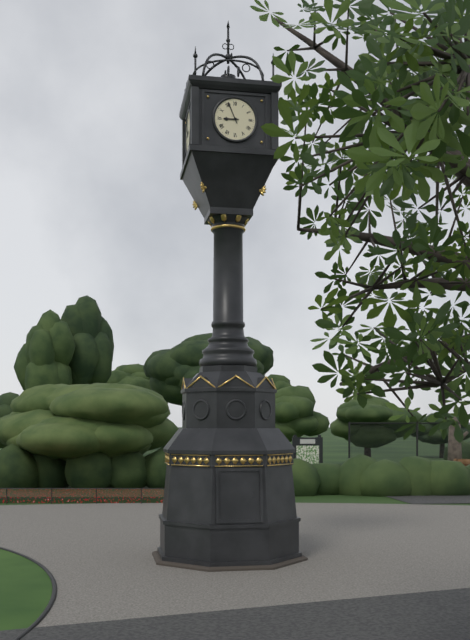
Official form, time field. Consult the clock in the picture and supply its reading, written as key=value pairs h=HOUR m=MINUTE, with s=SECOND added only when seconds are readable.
h=8 m=56
